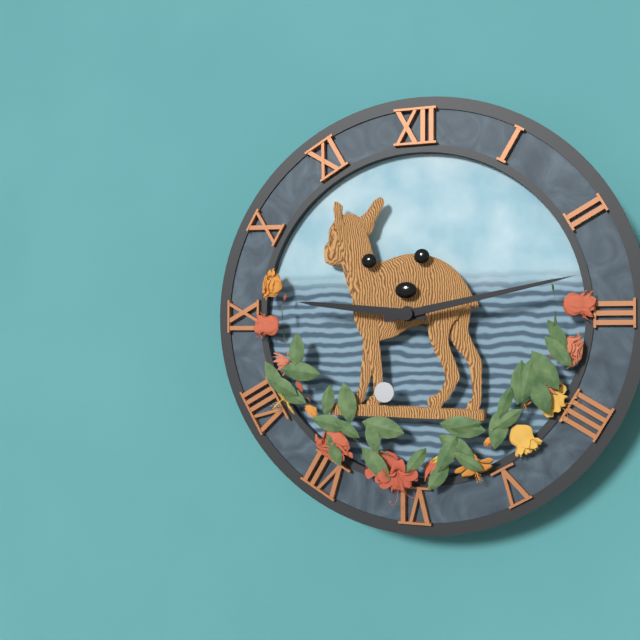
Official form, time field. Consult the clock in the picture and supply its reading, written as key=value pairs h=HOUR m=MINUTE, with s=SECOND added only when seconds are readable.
h=9 m=13
